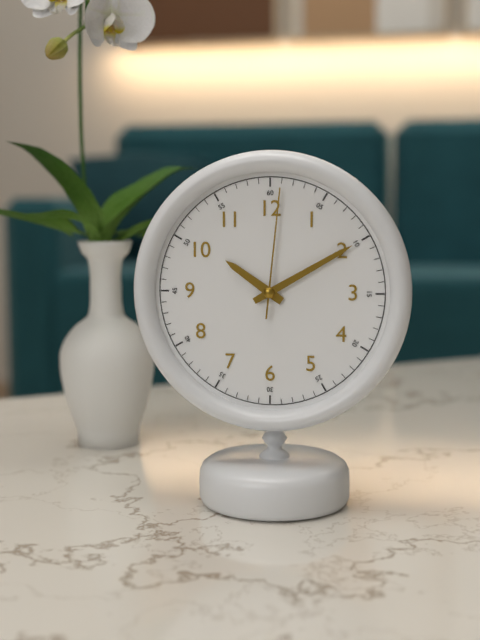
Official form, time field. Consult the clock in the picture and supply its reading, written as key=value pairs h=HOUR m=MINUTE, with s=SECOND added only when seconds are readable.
h=10 m=10 s=1
